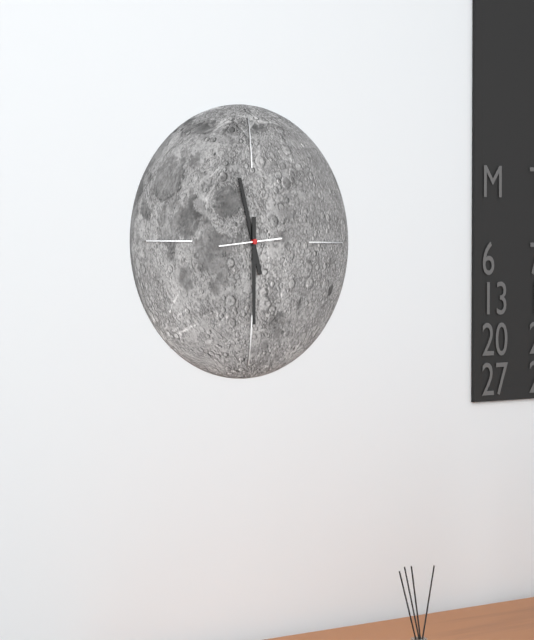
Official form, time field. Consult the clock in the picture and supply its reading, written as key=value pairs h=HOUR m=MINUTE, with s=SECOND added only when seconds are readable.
h=11 m=30
